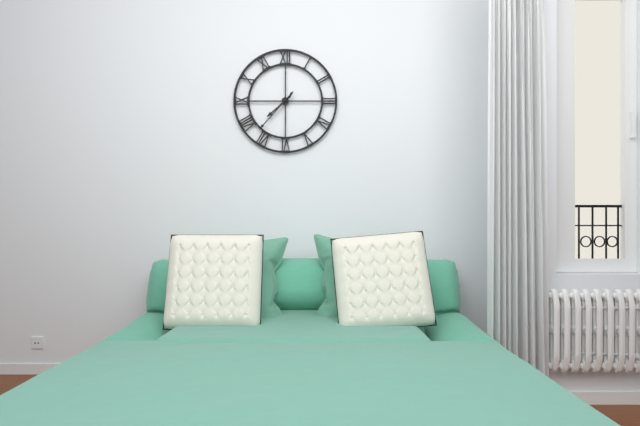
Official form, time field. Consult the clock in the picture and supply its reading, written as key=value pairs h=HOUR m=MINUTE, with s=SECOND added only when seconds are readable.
h=7 m=37
